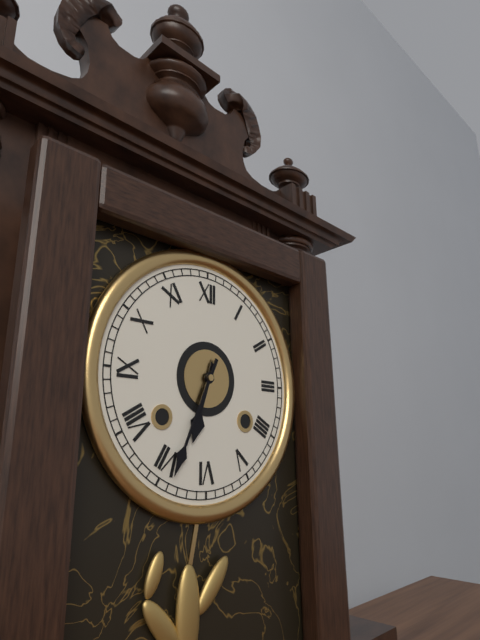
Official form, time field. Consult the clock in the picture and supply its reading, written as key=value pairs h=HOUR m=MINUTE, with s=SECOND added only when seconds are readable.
h=6 m=34
